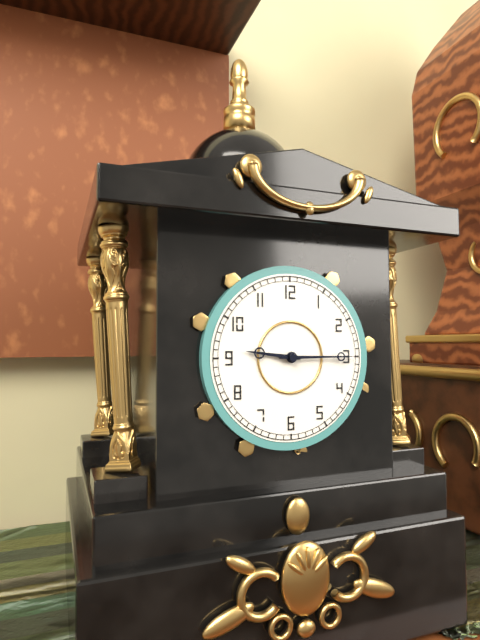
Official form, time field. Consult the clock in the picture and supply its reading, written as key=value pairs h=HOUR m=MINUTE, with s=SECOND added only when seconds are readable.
h=9 m=15
